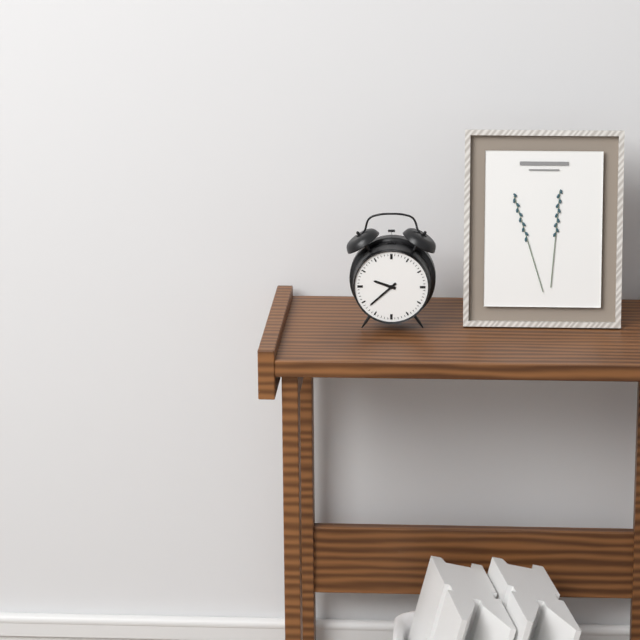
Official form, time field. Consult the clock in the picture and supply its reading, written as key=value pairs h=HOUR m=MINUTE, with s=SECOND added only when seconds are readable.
h=9 m=38
